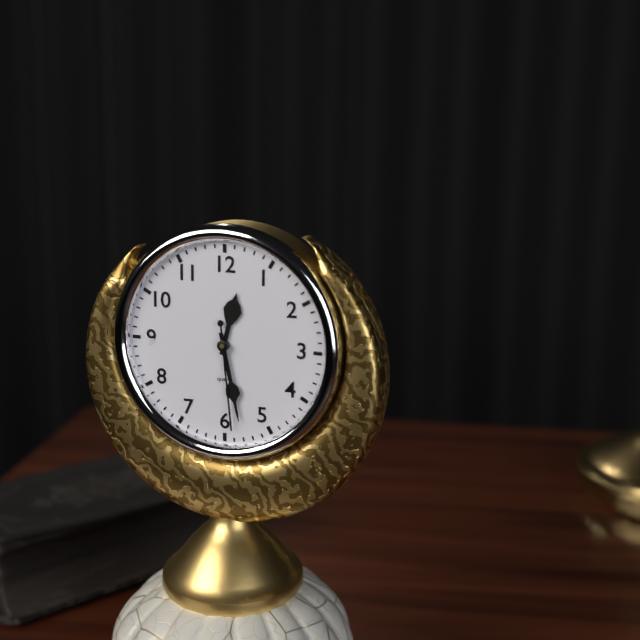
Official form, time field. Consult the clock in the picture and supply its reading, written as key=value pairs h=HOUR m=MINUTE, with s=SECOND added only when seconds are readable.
h=12 m=28 s=29
